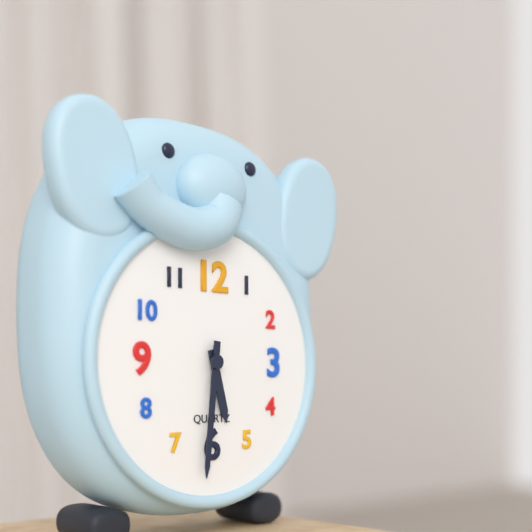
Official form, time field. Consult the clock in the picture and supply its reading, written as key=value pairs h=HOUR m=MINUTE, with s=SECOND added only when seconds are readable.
h=5 m=31
